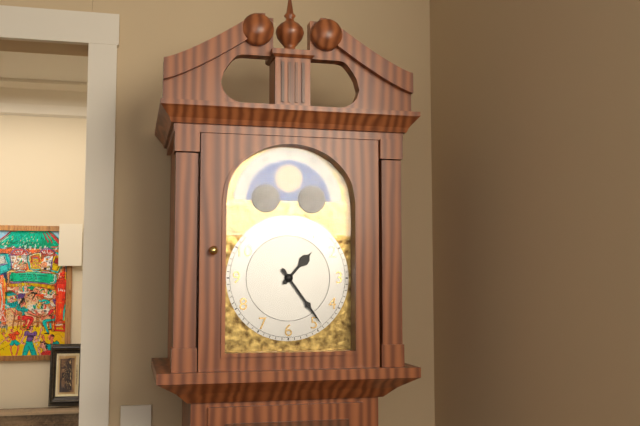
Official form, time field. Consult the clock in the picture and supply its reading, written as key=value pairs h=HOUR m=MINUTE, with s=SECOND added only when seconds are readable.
h=1 m=24
